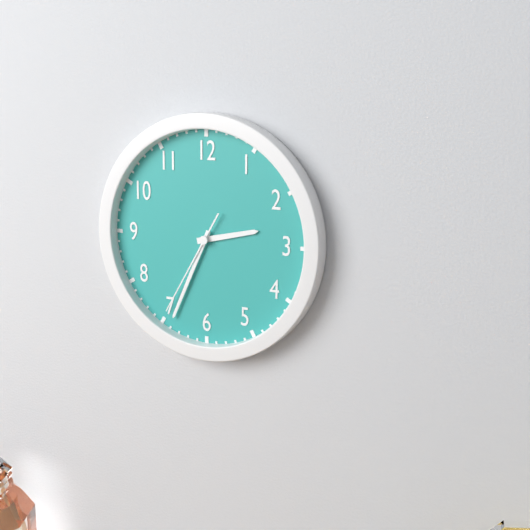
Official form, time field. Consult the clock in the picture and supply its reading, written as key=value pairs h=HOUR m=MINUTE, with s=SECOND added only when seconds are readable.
h=2 m=34 s=35
